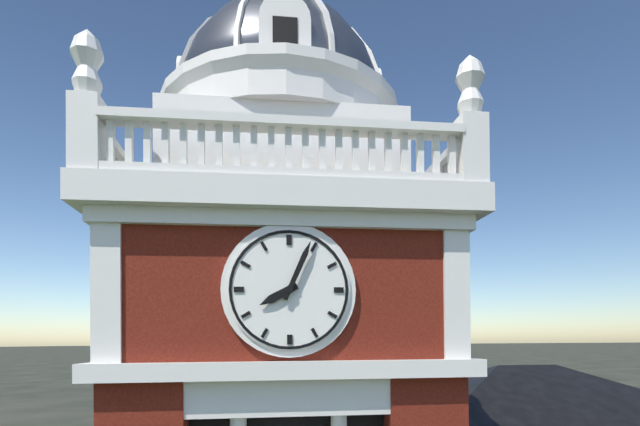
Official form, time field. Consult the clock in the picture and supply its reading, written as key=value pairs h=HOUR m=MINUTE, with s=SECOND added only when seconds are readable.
h=8 m=4
